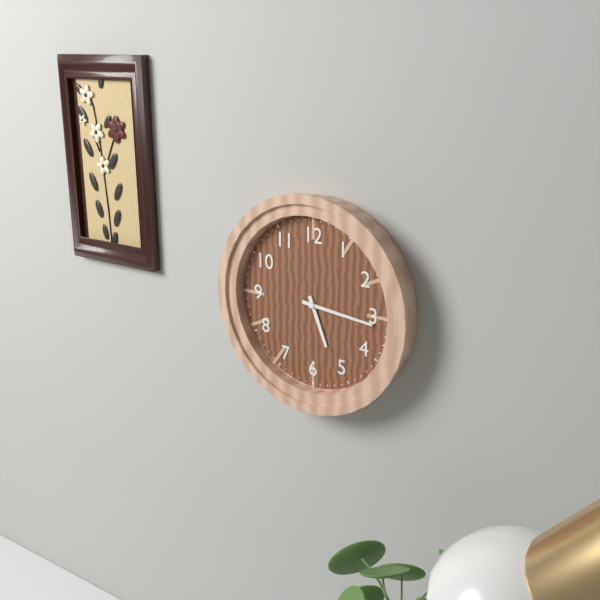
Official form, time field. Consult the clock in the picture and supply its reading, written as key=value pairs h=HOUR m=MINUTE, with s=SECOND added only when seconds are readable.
h=5 m=16
